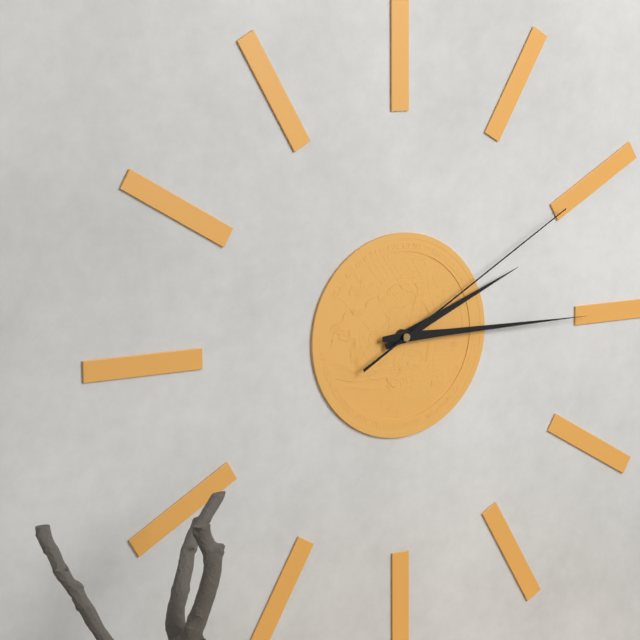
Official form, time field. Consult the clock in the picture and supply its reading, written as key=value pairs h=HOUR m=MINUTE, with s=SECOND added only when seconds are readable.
h=2 m=15 s=10
